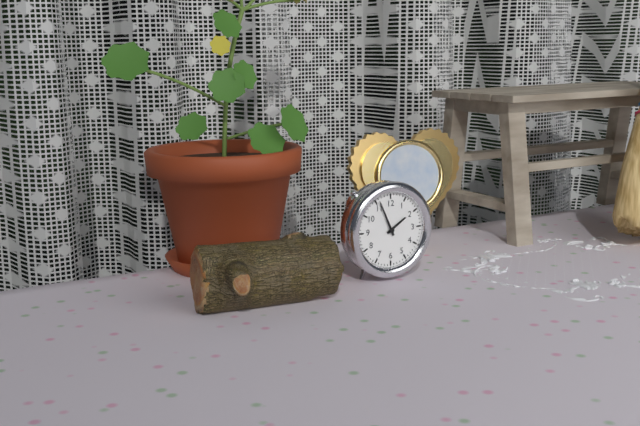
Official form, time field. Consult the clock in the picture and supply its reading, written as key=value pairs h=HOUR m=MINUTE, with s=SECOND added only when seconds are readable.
h=1 m=56
